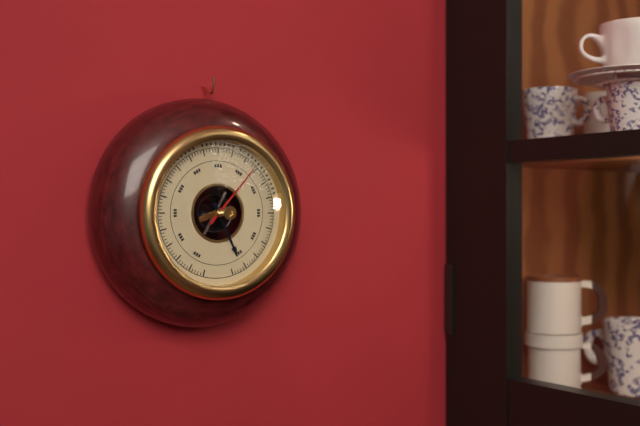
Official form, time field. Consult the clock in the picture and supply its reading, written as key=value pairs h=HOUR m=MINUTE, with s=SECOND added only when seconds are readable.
h=5 m=7
